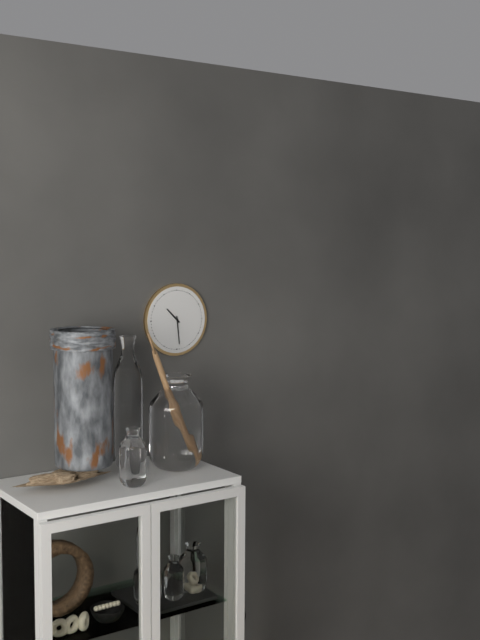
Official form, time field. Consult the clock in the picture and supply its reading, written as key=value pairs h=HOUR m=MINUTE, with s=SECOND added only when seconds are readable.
h=10 m=29
